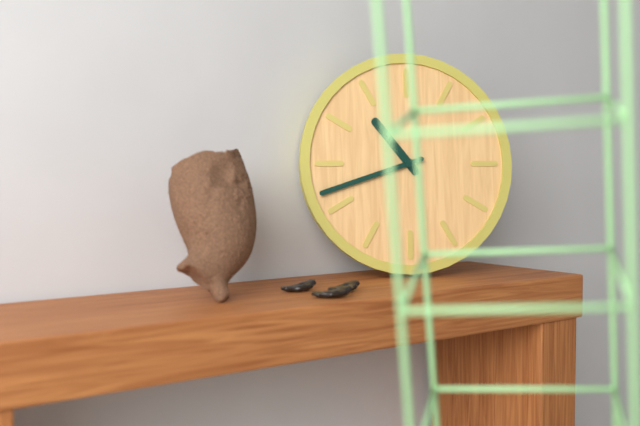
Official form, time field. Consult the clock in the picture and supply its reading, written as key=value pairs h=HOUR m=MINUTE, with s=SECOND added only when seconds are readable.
h=10 m=42
